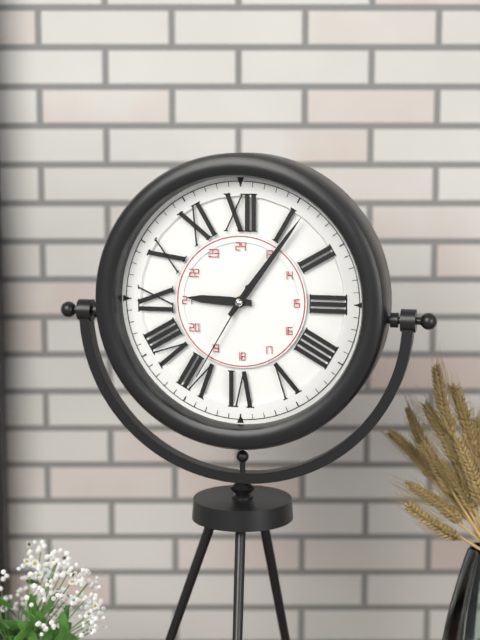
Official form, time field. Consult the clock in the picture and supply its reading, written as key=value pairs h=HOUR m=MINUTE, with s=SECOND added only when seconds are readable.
h=9 m=6 s=35
